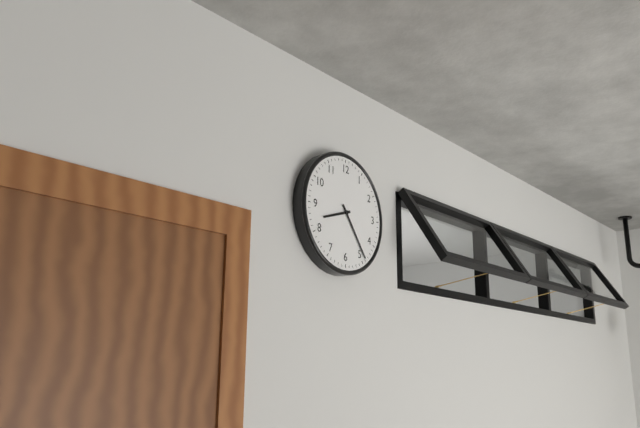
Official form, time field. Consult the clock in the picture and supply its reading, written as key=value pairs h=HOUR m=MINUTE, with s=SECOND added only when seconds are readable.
h=8 m=24
